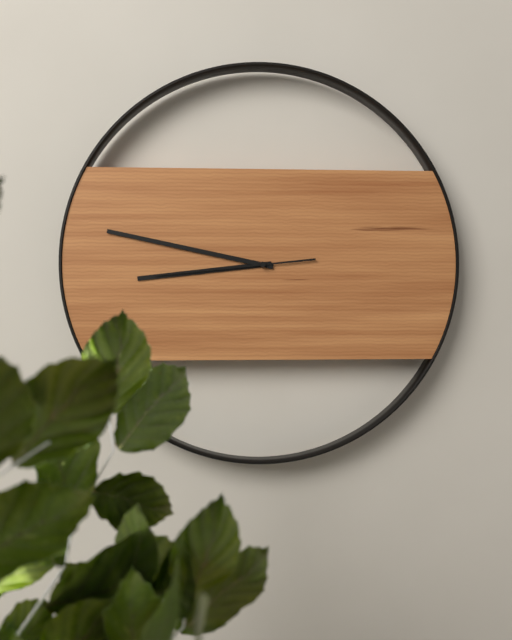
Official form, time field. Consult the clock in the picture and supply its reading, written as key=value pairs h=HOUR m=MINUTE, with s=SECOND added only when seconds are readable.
h=8 m=47 s=44
